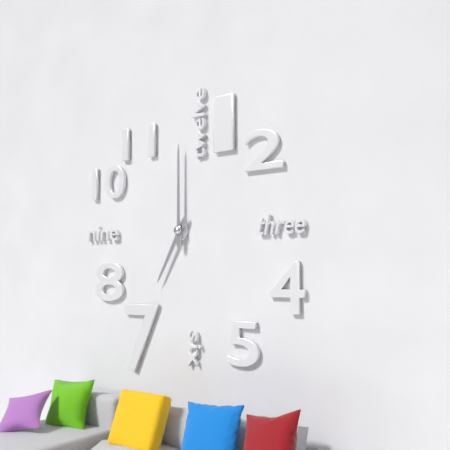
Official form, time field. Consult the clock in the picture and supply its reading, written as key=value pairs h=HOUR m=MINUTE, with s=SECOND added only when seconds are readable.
h=7 m=0
